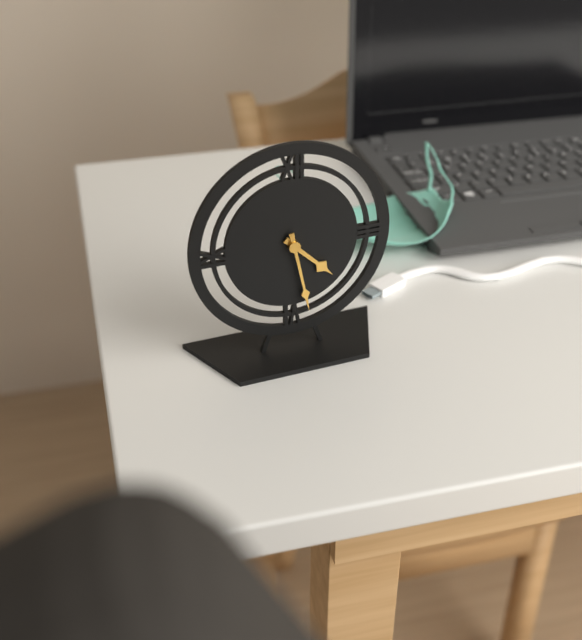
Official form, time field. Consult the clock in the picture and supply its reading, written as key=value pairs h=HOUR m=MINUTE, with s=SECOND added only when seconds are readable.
h=4 m=28
